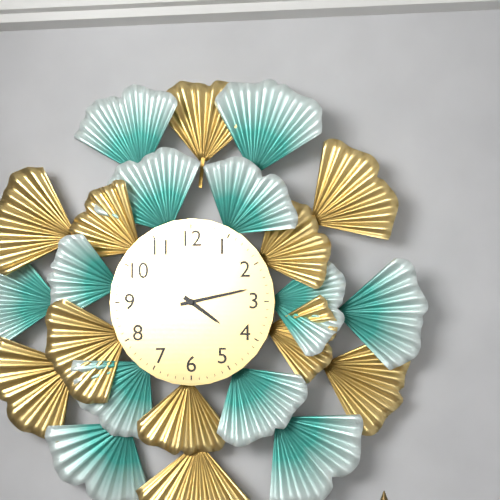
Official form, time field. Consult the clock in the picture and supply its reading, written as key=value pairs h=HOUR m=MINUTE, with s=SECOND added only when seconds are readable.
h=4 m=13
